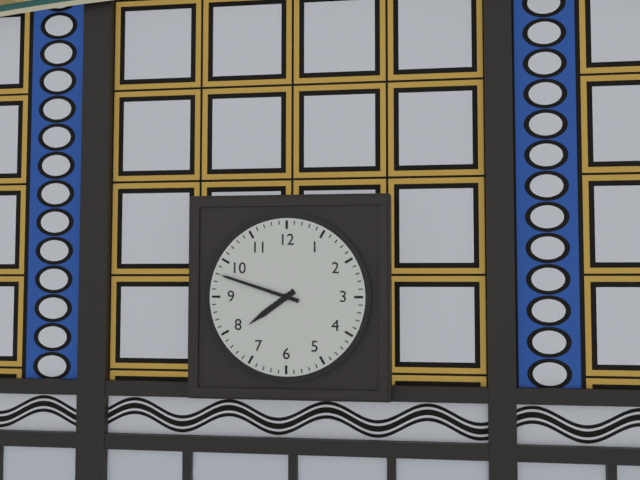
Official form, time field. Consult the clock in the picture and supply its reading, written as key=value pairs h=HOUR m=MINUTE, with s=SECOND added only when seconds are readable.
h=7 m=48
